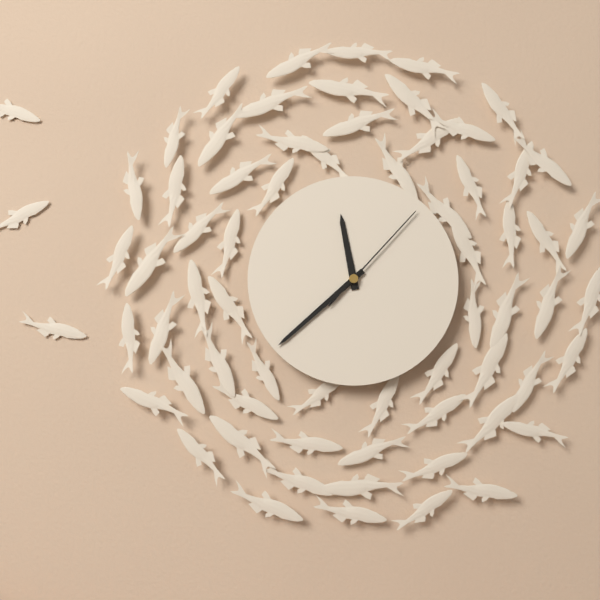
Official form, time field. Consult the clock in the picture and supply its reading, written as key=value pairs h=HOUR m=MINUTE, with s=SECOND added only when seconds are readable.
h=11 m=38 s=7
